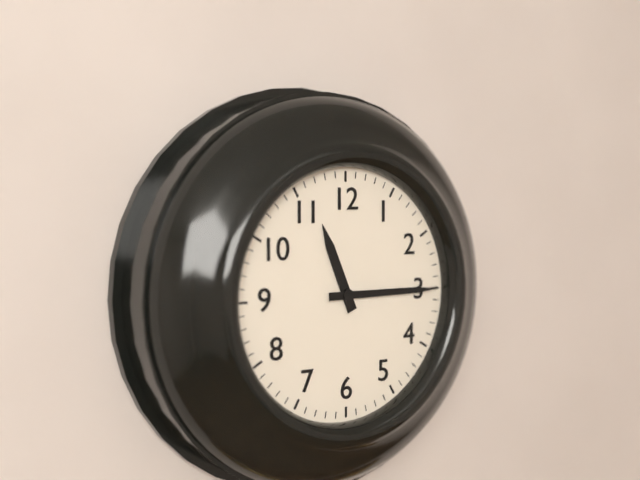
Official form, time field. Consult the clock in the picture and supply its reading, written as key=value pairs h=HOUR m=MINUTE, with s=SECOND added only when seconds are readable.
h=11 m=15
